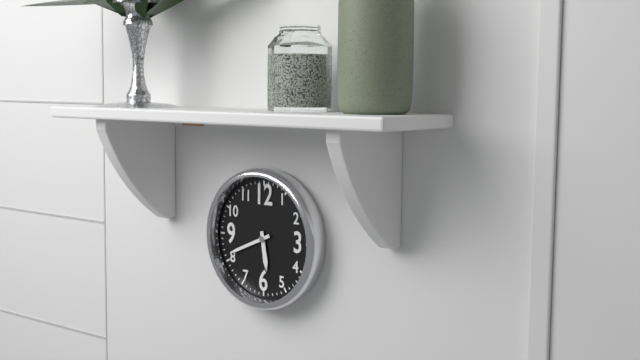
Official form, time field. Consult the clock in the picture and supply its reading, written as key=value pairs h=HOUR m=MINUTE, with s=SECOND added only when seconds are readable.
h=5 m=41
